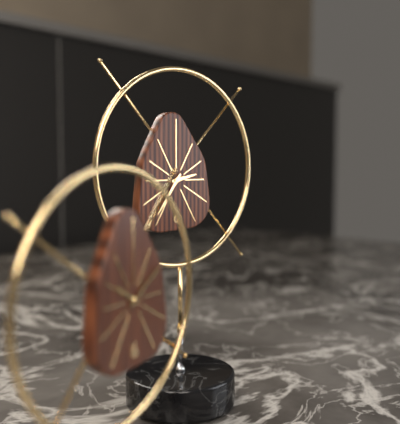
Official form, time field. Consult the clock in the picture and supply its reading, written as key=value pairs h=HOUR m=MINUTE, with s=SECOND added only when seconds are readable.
h=2 m=36
